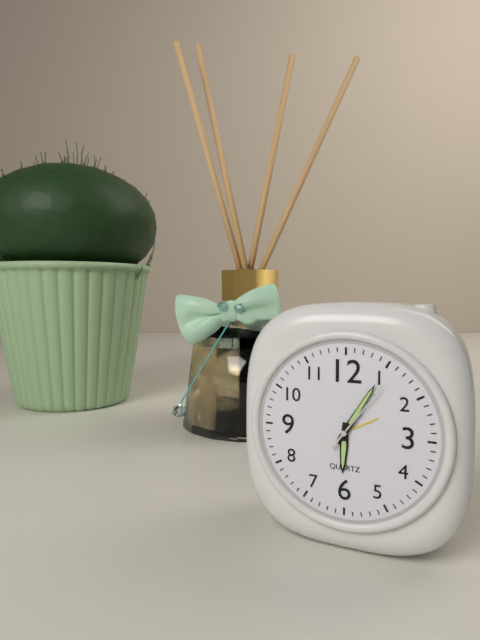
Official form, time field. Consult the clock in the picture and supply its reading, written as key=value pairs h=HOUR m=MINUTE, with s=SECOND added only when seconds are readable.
h=6 m=5 s=6
